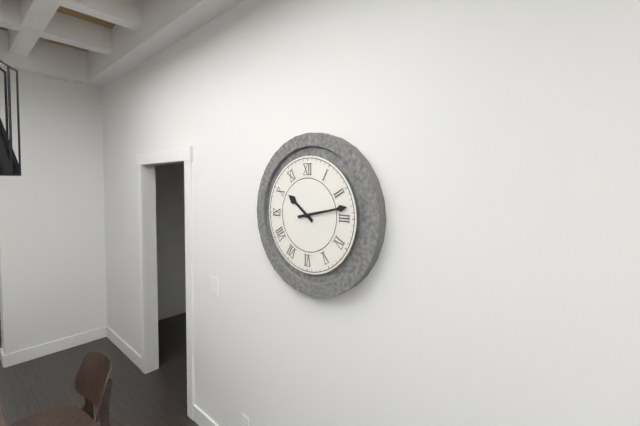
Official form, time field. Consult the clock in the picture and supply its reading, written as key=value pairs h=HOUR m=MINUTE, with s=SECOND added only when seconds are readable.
h=10 m=13
